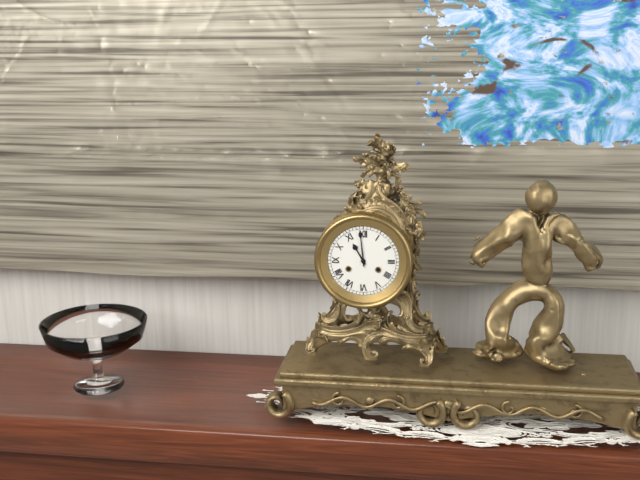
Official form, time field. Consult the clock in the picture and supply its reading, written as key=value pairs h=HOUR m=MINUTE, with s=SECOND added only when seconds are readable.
h=10 m=59
